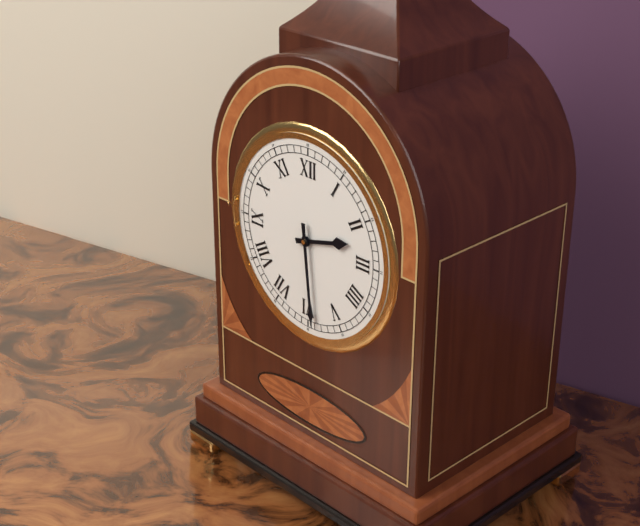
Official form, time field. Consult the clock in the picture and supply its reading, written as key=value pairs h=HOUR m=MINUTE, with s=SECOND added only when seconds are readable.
h=2 m=29
